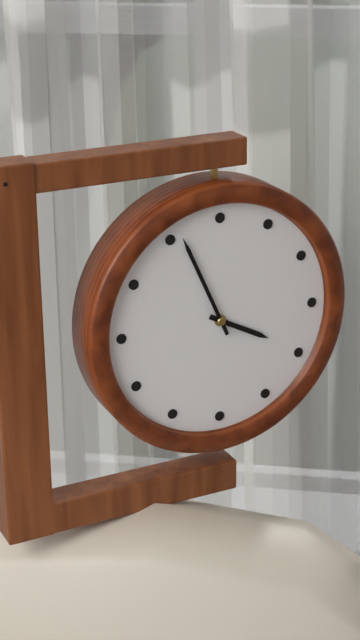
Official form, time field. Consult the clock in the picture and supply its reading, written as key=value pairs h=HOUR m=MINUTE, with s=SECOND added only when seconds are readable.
h=3 m=56
